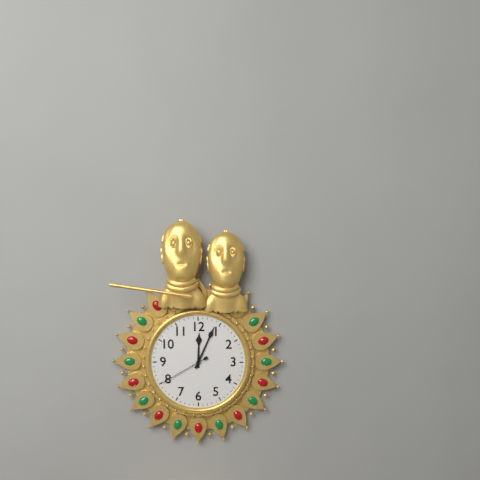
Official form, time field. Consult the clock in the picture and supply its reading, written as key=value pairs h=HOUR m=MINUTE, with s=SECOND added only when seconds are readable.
h=12 m=4 s=40
